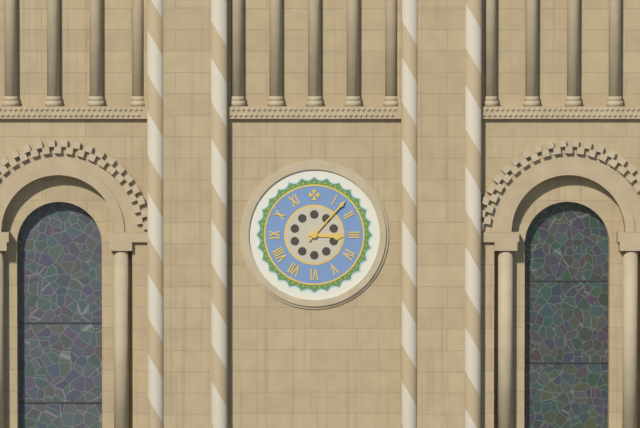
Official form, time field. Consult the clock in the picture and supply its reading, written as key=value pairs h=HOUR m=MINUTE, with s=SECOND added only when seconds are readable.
h=3 m=7
